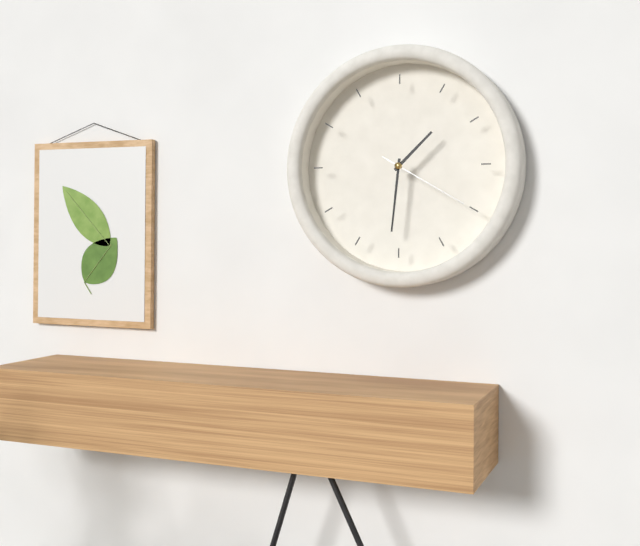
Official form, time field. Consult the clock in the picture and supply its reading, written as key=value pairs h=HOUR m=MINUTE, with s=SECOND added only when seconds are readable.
h=1 m=31 s=20
